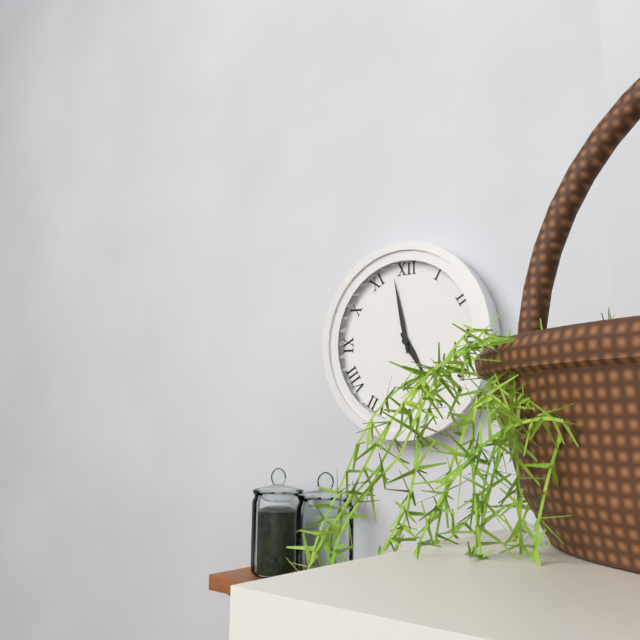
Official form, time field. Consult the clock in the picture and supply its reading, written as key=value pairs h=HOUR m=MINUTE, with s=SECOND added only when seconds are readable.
h=4 m=58
